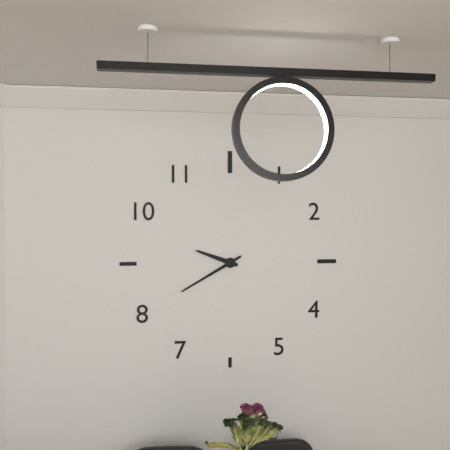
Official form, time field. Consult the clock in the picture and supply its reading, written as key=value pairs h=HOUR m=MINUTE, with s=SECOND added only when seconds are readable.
h=9 m=40
